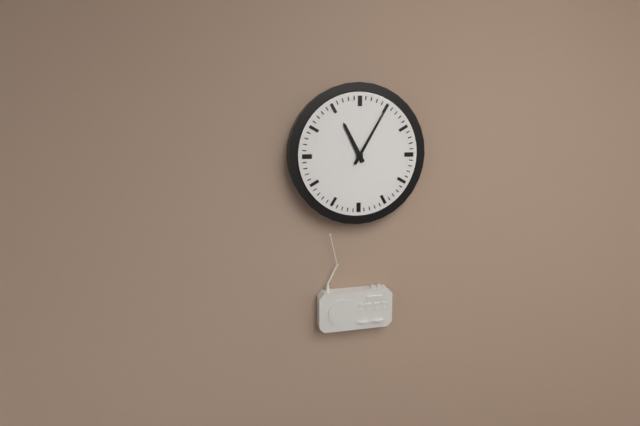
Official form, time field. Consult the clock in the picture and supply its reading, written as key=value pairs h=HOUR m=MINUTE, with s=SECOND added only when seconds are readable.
h=11 m=5
